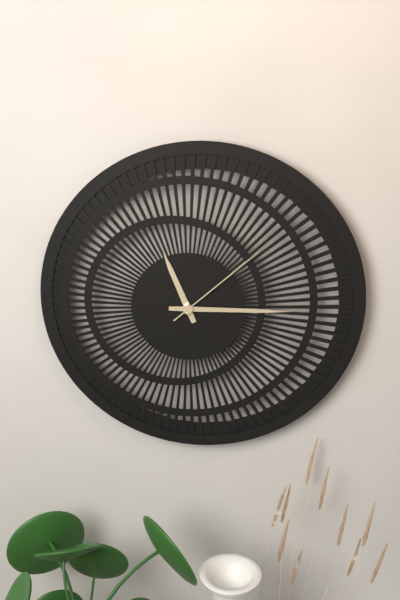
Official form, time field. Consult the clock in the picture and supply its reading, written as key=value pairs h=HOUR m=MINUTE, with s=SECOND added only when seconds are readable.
h=11 m=15 s=8
